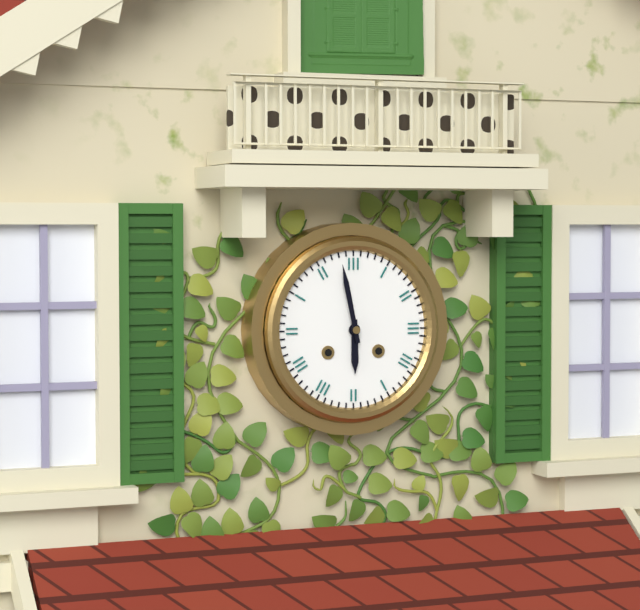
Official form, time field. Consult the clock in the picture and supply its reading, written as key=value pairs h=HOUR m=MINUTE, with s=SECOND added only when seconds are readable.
h=5 m=58
